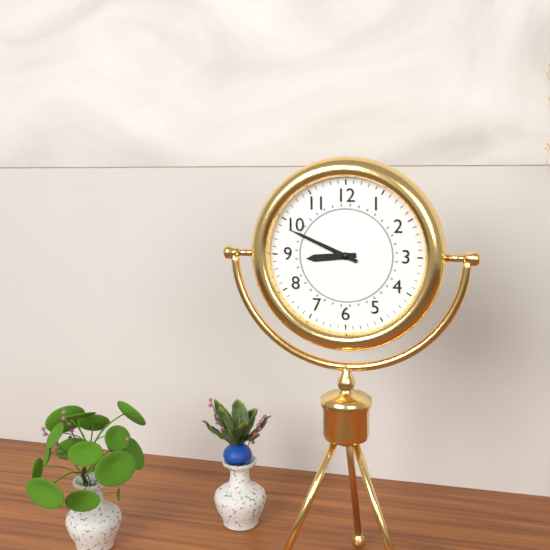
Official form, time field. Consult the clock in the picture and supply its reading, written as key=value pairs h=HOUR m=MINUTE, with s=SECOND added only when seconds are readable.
h=8 m=49
